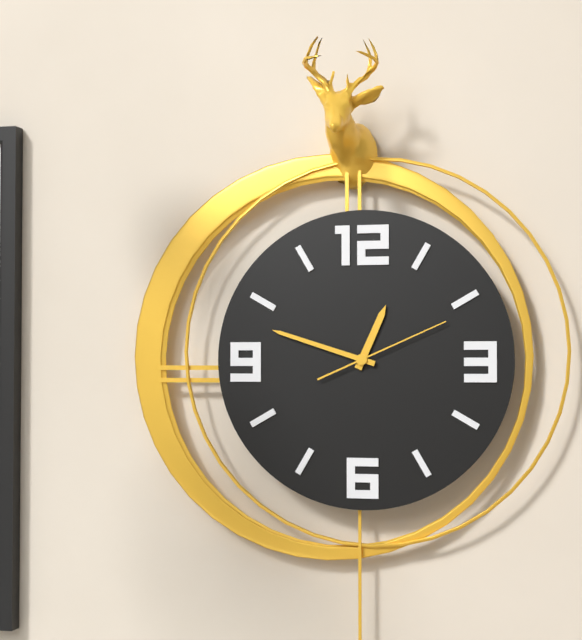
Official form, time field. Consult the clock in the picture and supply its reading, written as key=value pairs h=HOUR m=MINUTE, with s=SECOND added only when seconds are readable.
h=12 m=48 s=11
